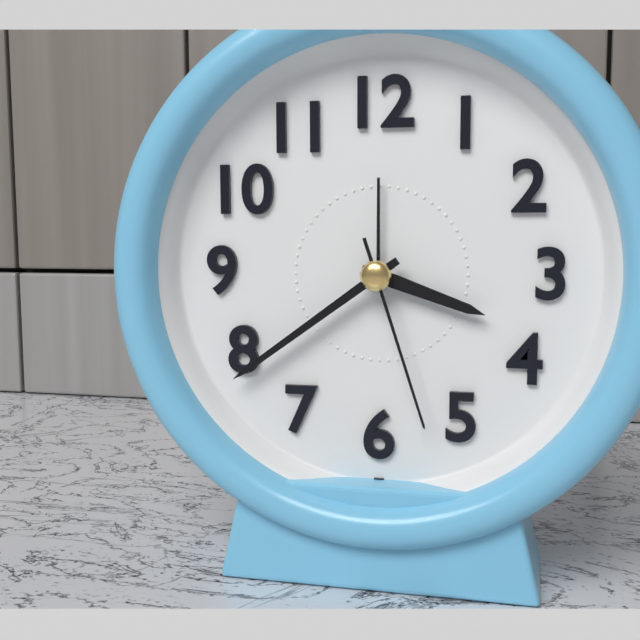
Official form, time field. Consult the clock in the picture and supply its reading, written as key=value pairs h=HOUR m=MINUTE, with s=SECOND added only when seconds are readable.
h=3 m=39 s=27
